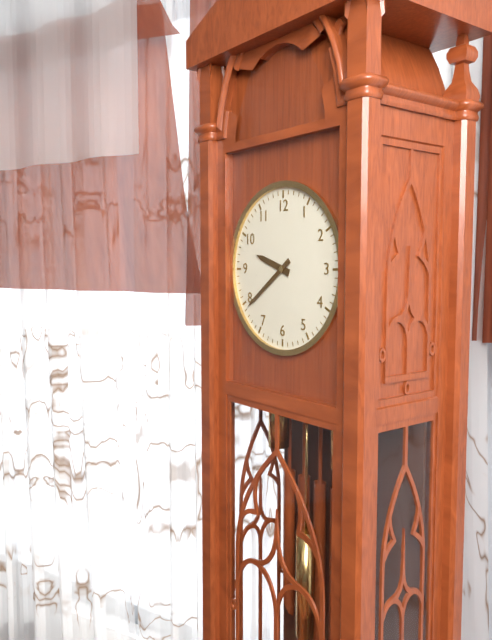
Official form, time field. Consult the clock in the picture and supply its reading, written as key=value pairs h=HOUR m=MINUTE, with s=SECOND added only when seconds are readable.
h=9 m=39
